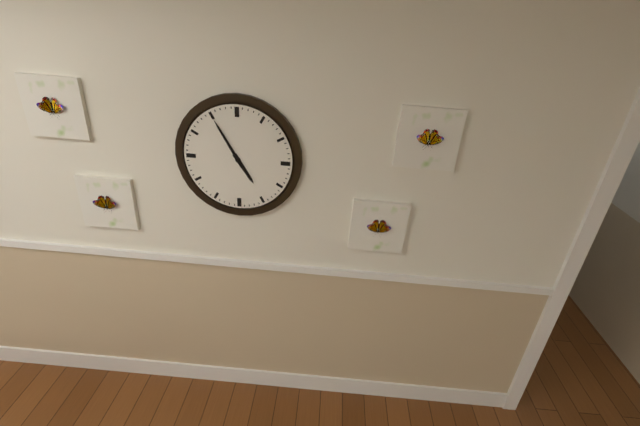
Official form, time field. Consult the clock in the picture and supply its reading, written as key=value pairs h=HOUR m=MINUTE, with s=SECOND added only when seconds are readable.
h=4 m=55
